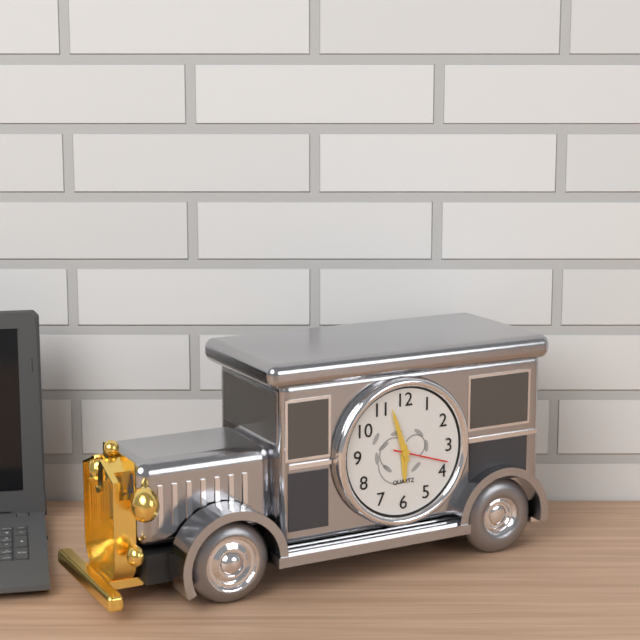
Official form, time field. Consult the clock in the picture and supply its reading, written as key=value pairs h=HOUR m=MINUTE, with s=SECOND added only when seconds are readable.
h=5 m=57 s=18
